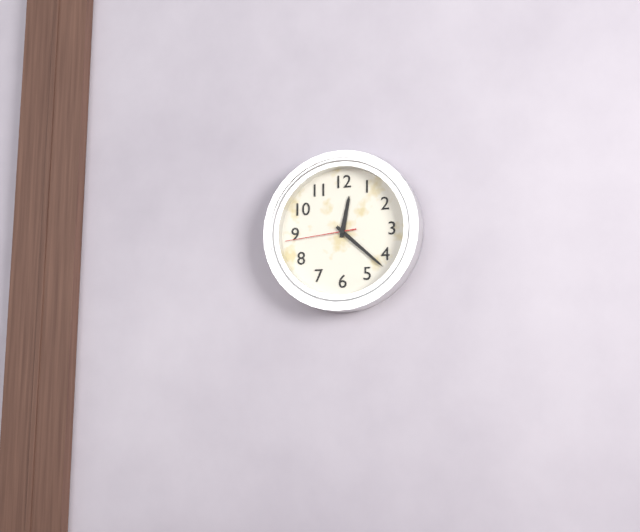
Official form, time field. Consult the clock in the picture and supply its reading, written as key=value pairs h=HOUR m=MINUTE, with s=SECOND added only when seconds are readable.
h=12 m=22 s=44
